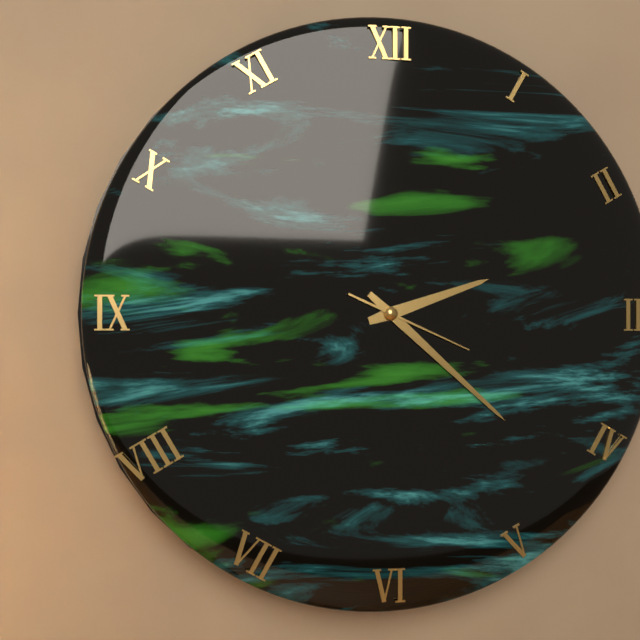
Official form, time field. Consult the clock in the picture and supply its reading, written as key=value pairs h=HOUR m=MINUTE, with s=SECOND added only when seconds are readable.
h=2 m=22 s=19
